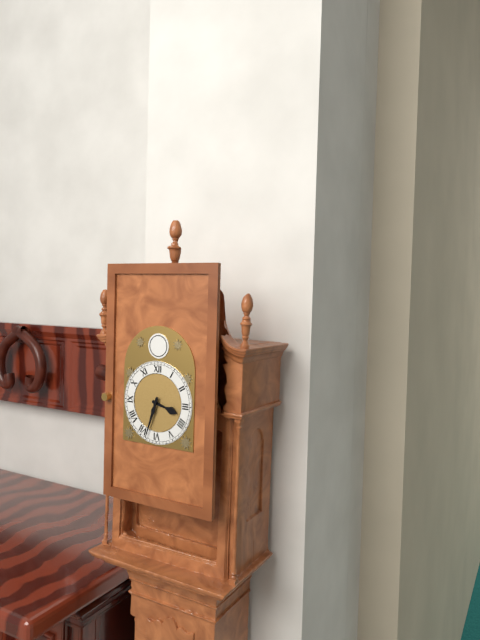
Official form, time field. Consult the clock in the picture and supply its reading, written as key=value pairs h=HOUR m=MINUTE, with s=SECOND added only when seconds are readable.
h=3 m=33
